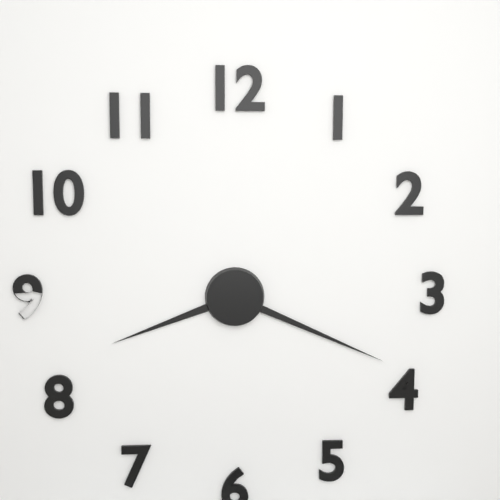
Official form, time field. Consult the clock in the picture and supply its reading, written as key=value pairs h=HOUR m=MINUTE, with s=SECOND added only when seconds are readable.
h=8 m=19
